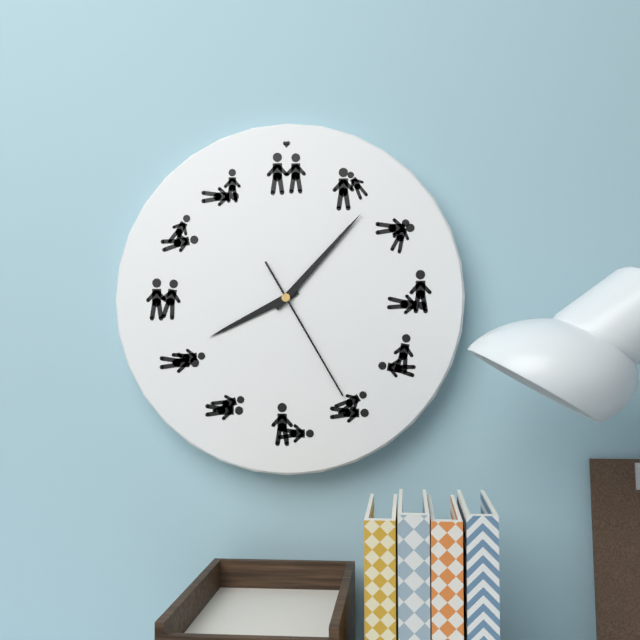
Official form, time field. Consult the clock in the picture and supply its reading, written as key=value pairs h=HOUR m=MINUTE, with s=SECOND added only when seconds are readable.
h=8 m=7 s=25
